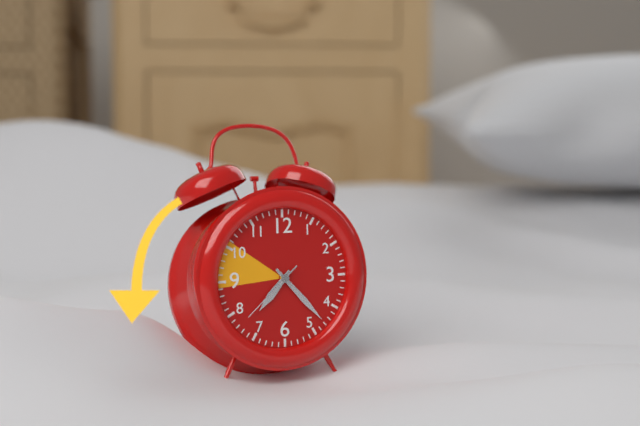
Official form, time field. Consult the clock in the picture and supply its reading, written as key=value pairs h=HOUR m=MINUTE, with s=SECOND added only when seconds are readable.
h=7 m=23 s=38
